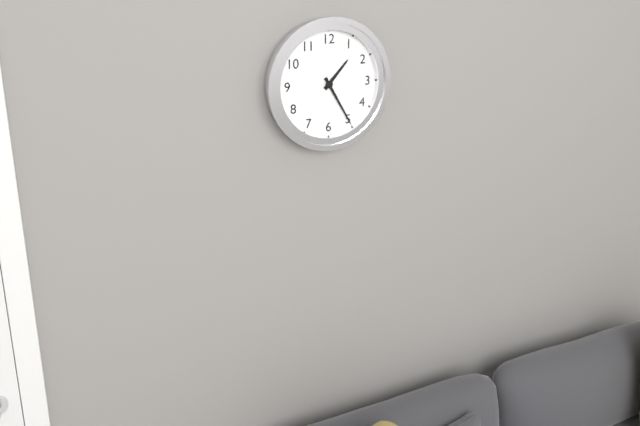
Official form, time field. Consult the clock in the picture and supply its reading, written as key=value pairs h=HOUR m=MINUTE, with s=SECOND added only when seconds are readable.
h=1 m=25
